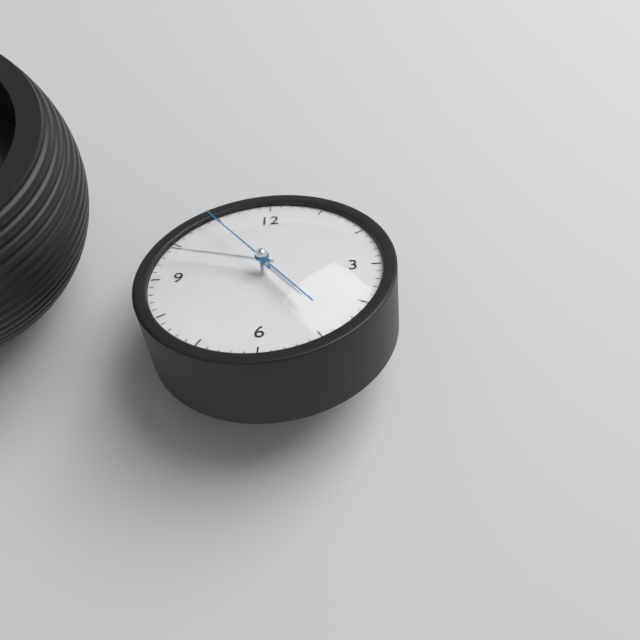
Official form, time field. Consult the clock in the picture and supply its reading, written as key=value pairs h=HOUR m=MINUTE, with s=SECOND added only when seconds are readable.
h=4 m=48 s=54
